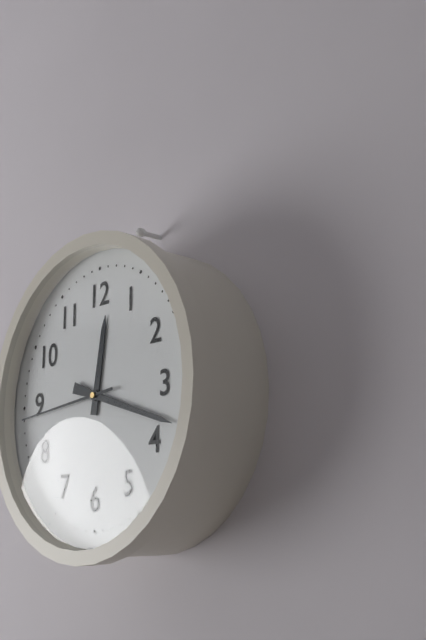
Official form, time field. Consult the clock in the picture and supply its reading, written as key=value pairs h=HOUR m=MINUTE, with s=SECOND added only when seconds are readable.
h=12 m=18 s=44
